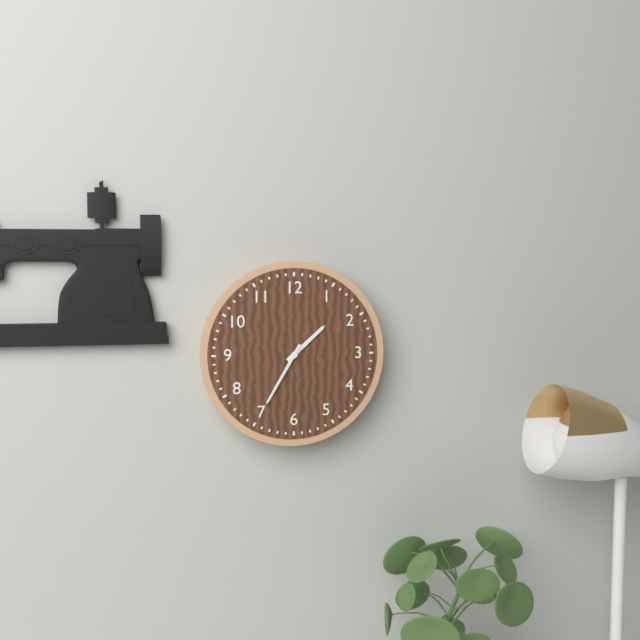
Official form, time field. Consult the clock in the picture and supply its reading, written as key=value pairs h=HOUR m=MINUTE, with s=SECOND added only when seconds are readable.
h=1 m=35
